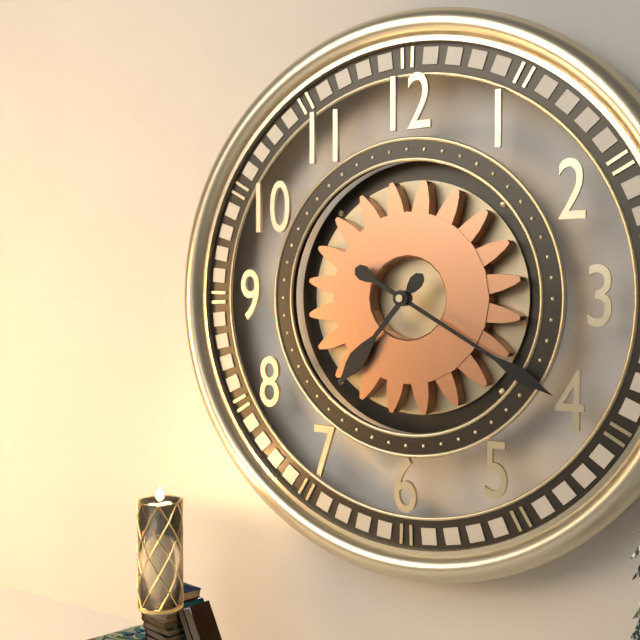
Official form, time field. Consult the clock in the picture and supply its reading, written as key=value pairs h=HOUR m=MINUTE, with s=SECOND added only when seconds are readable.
h=7 m=20
